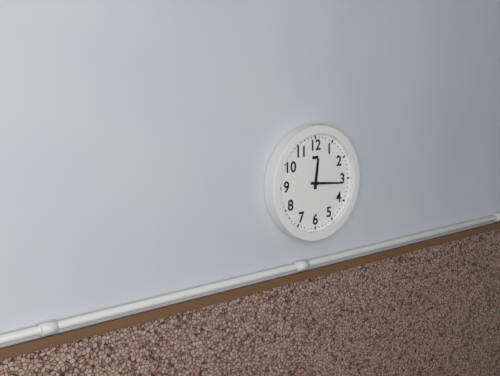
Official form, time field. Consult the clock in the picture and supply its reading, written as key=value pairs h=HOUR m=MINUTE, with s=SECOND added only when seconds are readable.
h=12 m=16
